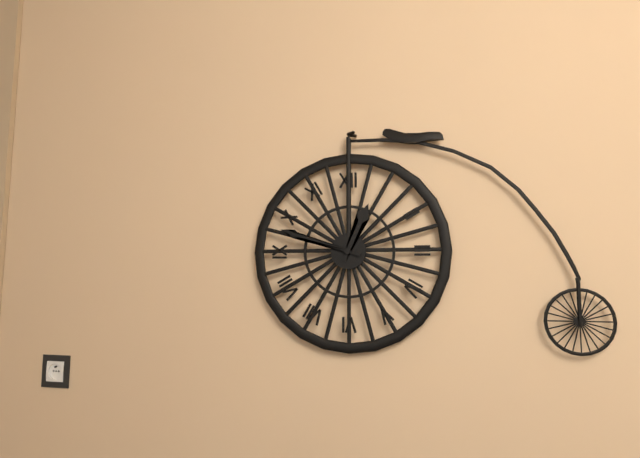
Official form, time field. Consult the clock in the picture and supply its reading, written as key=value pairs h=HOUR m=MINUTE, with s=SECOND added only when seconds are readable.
h=12 m=48
